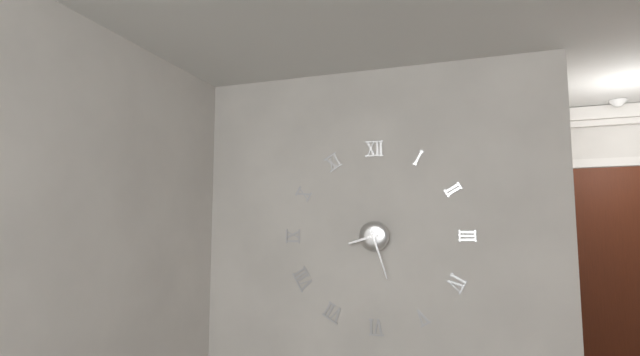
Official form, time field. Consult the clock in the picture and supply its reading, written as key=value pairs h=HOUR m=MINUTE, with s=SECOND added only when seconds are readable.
h=8 m=27
